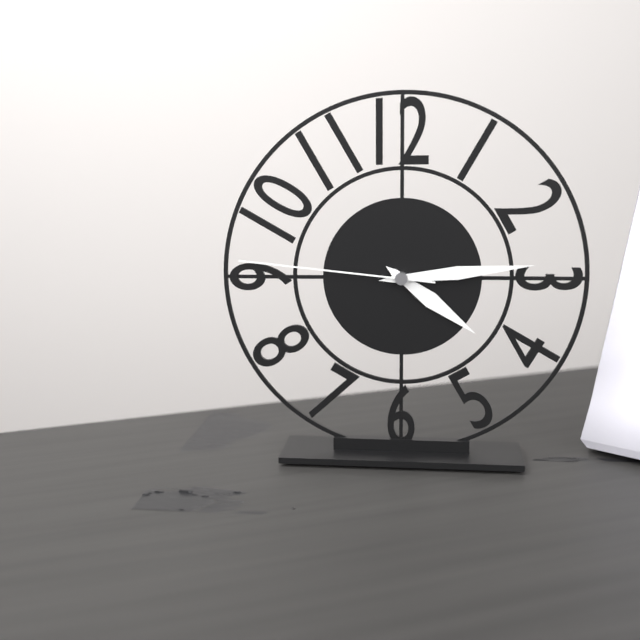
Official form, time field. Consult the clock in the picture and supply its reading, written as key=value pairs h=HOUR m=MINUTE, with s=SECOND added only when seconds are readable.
h=4 m=14 s=46
